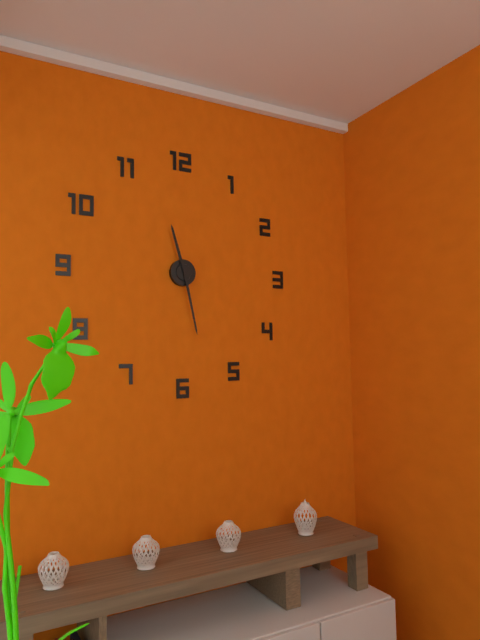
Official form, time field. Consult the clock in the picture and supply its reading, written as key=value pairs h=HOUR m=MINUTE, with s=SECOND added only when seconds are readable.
h=11 m=28
